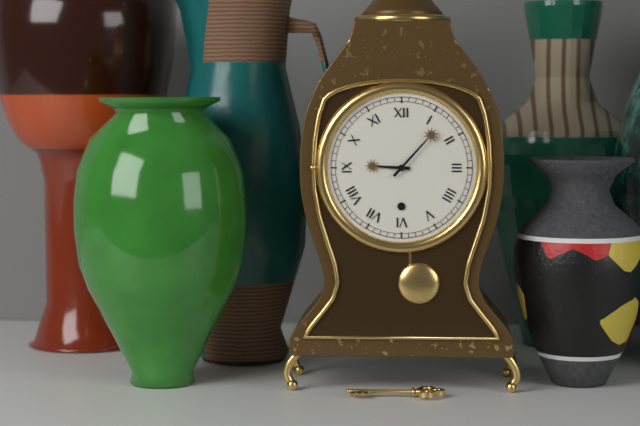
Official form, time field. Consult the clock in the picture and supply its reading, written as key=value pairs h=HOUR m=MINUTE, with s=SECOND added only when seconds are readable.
h=9 m=7
